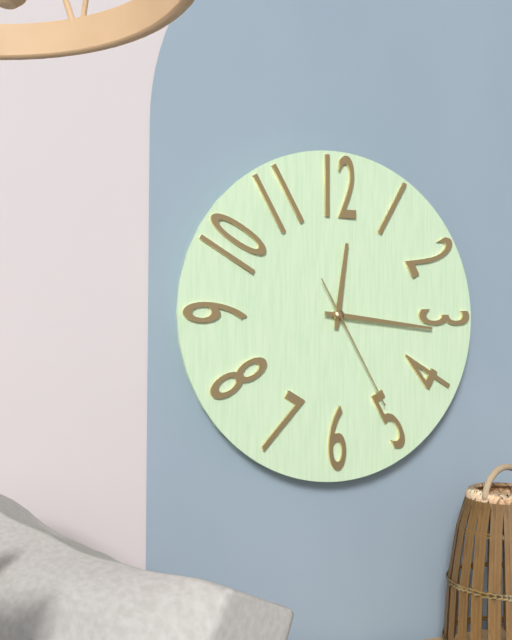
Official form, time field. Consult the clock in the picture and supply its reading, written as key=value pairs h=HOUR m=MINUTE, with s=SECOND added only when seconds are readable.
h=12 m=16 s=25
